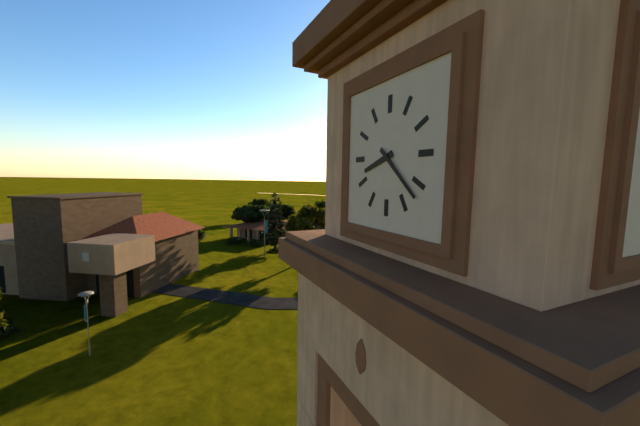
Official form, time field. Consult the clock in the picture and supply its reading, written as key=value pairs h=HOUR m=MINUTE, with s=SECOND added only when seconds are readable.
h=8 m=22
